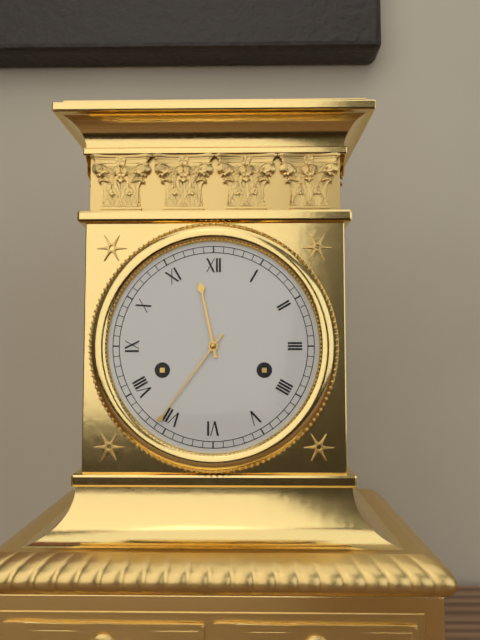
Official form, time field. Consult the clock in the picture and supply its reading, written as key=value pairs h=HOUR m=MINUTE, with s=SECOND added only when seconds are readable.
h=11 m=36
